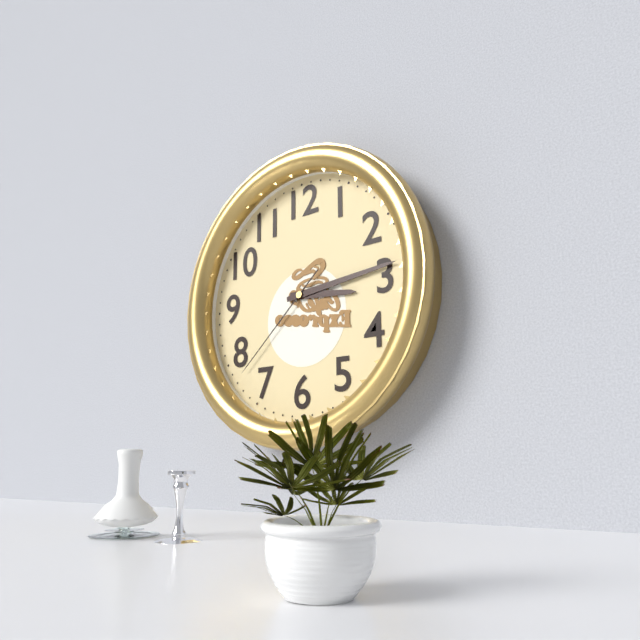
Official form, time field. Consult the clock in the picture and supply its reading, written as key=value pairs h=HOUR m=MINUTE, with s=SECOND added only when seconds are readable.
h=3 m=14 s=38
